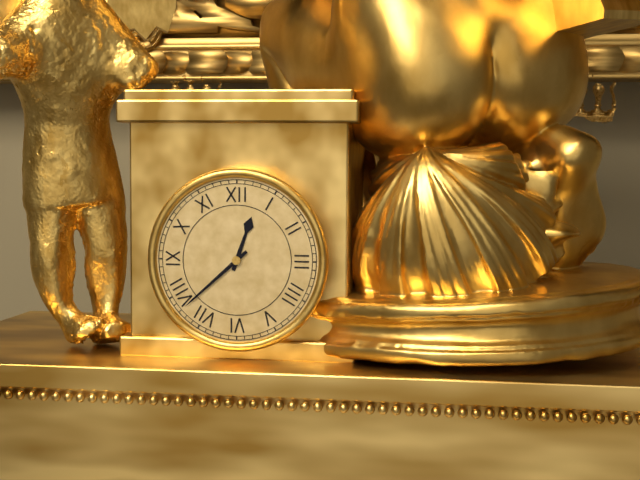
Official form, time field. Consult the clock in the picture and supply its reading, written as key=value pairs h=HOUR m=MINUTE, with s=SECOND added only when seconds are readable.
h=12 m=38
